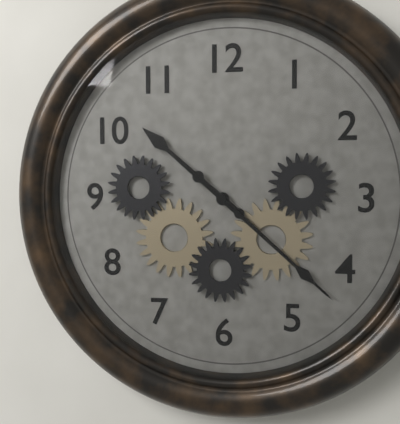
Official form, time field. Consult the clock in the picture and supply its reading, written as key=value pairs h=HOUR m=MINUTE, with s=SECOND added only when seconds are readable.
h=10 m=22
